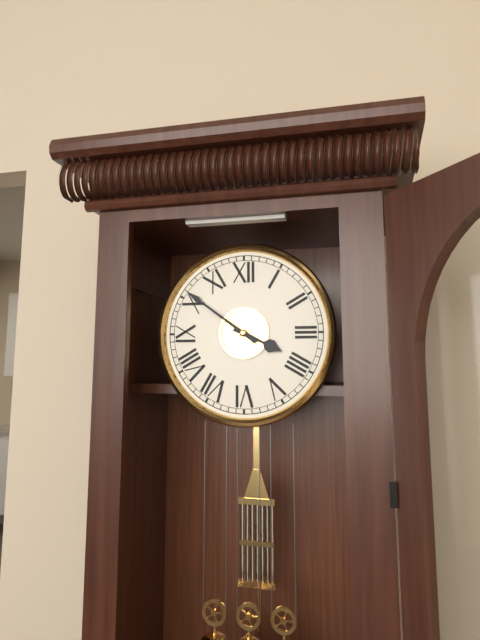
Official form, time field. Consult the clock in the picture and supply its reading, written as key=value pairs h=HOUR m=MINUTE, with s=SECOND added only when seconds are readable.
h=3 m=51
